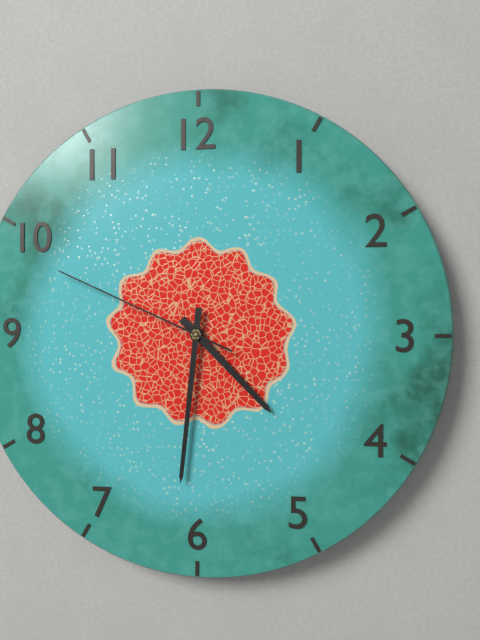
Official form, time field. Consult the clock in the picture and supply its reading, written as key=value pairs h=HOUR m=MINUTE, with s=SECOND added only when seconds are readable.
h=4 m=31 s=49
